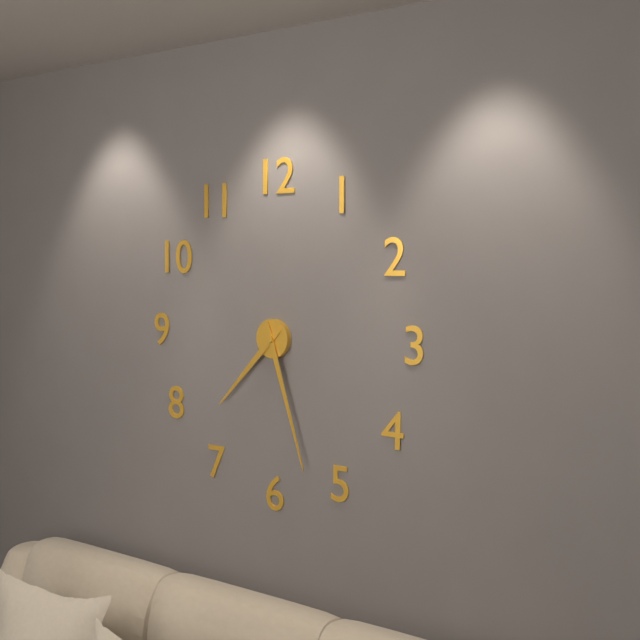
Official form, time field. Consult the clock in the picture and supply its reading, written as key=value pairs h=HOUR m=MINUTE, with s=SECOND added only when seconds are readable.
h=7 m=27
